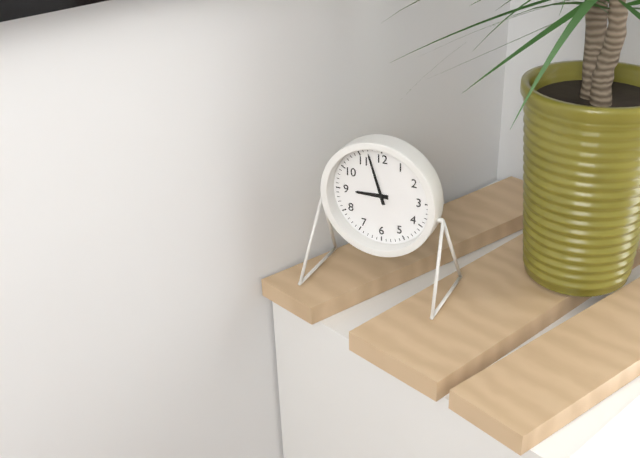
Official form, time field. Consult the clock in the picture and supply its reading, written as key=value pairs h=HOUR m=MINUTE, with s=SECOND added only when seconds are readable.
h=8 m=57
